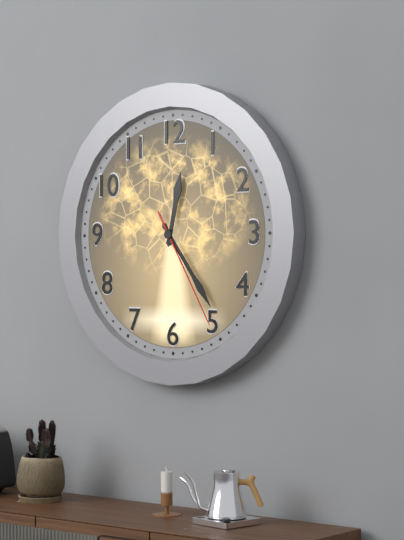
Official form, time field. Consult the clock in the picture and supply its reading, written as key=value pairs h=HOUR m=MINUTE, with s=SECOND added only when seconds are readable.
h=12 m=24 s=25
